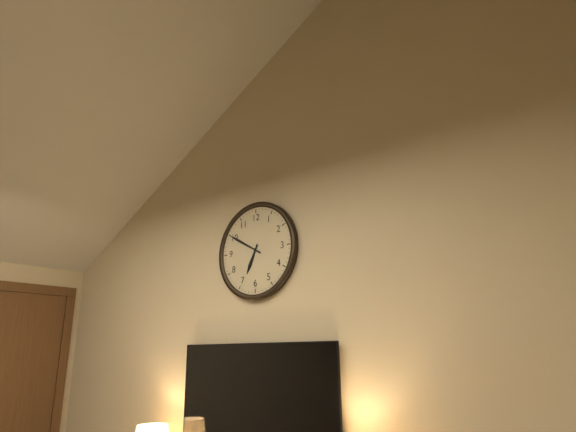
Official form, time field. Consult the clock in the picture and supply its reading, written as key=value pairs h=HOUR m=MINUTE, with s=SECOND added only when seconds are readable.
h=6 m=50
